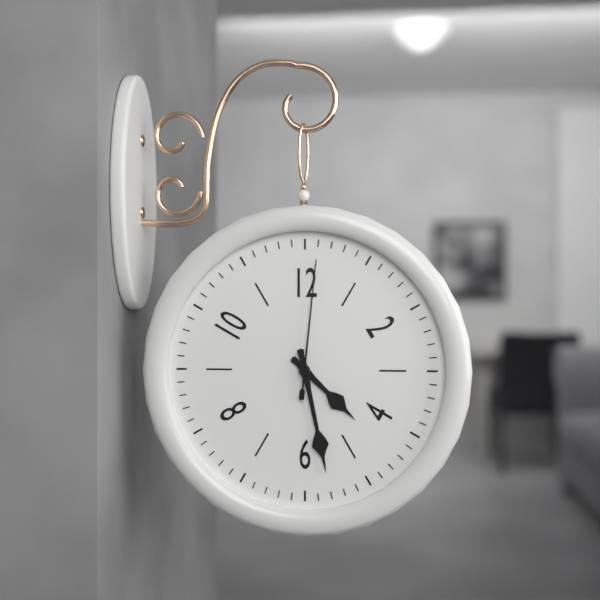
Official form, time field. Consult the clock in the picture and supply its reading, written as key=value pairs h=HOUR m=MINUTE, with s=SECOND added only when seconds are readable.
h=4 m=28 s=1
